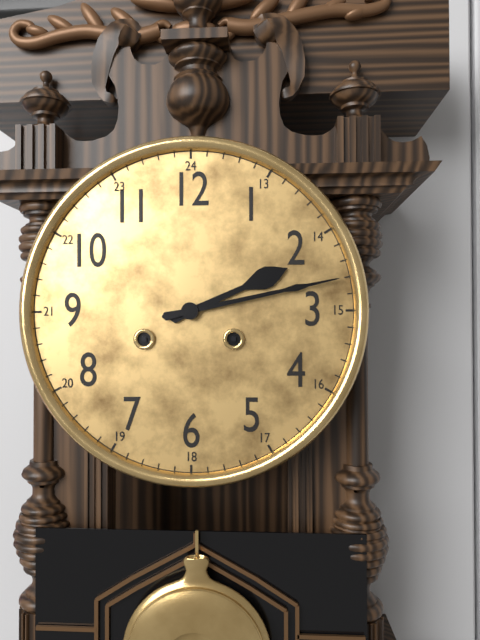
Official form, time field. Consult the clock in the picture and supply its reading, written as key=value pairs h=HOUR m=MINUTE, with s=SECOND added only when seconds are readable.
h=2 m=13
